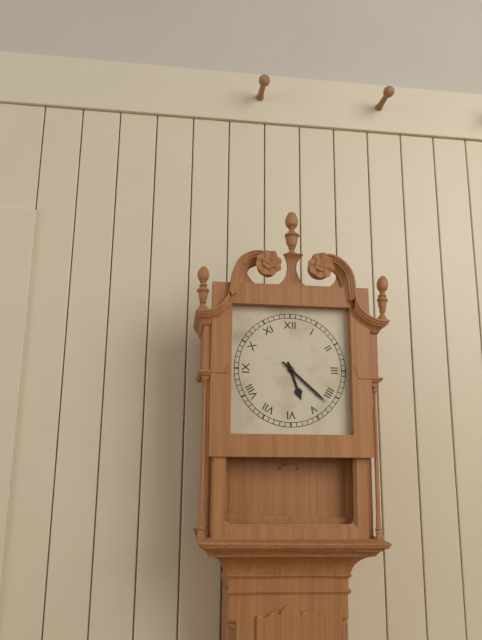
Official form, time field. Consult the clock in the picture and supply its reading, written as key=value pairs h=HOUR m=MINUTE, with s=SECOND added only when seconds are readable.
h=5 m=22
